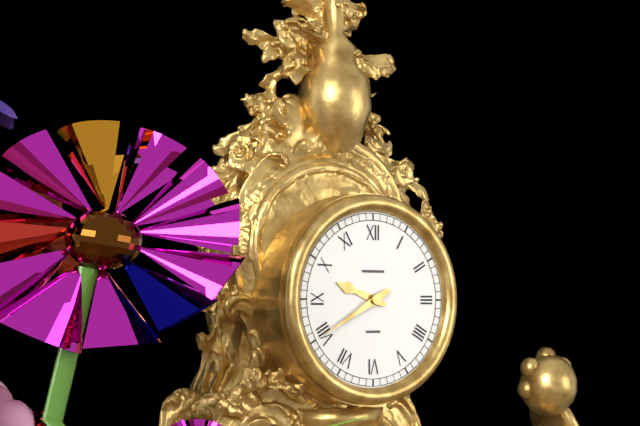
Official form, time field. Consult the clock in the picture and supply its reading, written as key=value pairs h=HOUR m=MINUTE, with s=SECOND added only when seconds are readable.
h=9 m=40
